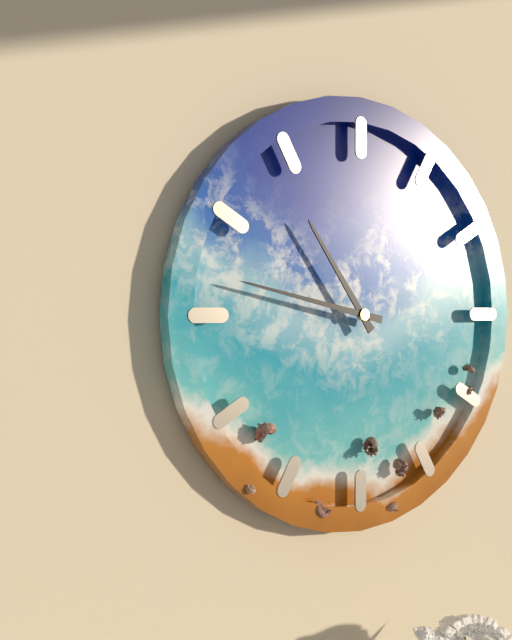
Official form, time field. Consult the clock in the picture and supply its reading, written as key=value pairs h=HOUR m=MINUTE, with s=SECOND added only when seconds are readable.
h=10 m=47
